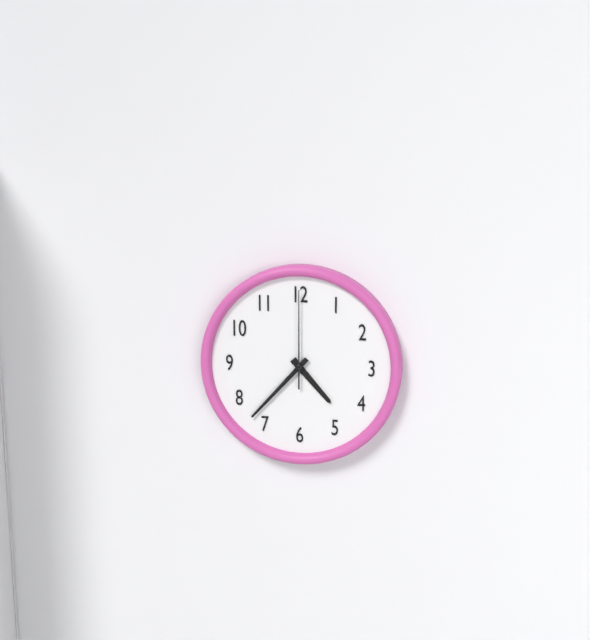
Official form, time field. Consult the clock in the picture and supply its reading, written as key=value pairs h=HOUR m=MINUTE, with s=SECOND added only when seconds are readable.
h=4 m=37 s=0
